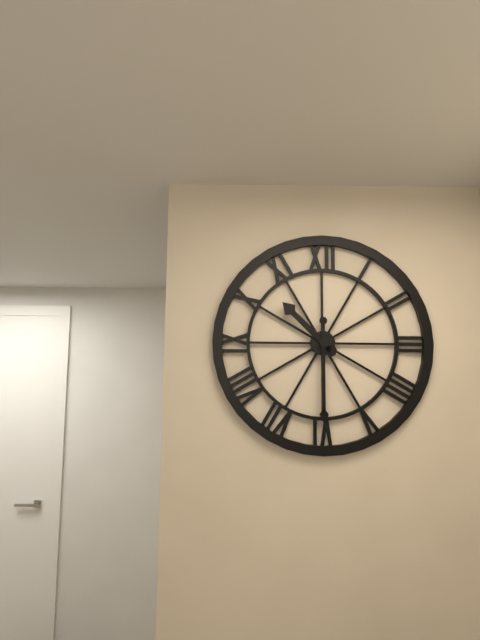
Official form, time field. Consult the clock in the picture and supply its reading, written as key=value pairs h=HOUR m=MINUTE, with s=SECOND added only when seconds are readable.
h=10 m=30
